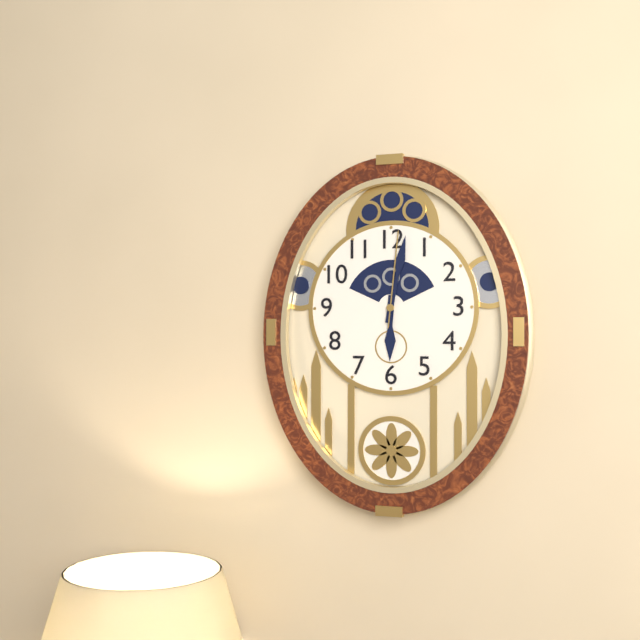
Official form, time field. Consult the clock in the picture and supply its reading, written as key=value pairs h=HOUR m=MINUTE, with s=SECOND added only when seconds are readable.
h=6 m=2 s=1
